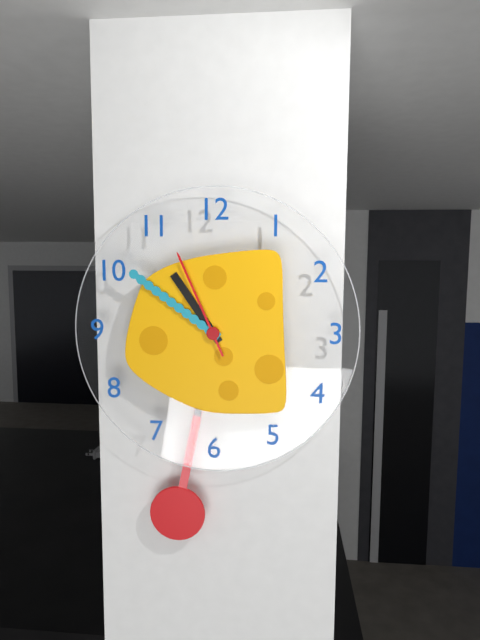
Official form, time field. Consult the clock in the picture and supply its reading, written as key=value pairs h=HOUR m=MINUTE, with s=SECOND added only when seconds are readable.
h=10 m=51 s=56
